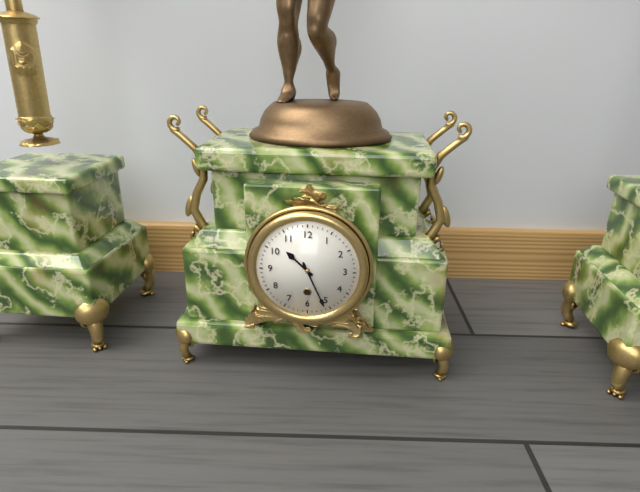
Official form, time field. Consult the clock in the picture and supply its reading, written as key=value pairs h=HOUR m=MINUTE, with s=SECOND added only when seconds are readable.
h=10 m=26
